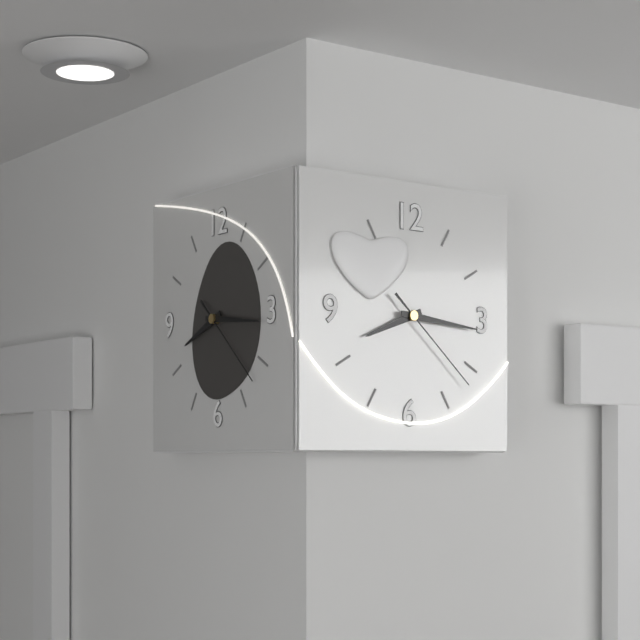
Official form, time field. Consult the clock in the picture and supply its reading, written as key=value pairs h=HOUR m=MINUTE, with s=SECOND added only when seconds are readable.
h=8 m=16 s=22
